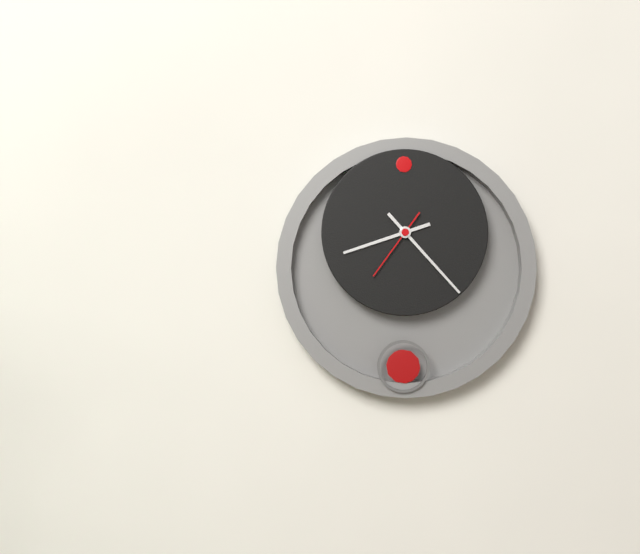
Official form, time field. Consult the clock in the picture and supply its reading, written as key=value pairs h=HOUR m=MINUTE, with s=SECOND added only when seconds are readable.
h=8 m=23 s=36
